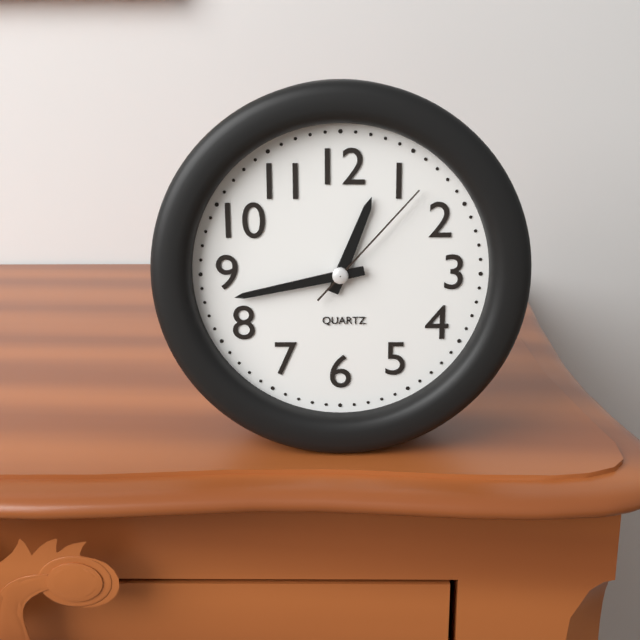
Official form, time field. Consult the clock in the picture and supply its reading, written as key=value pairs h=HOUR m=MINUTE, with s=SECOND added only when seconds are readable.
h=12 m=43 s=7
